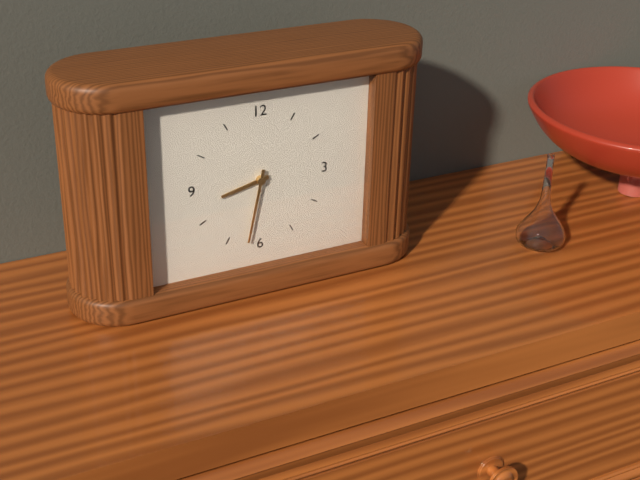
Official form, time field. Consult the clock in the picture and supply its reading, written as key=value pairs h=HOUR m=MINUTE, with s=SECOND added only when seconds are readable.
h=8 m=32
